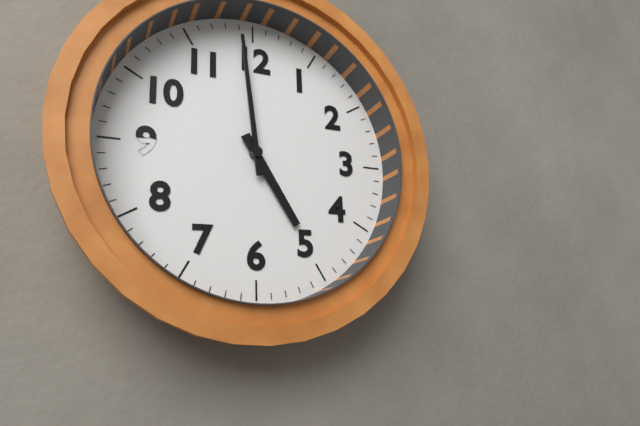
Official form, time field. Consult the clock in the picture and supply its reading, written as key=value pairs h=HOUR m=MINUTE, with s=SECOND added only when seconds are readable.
h=4 m=59
